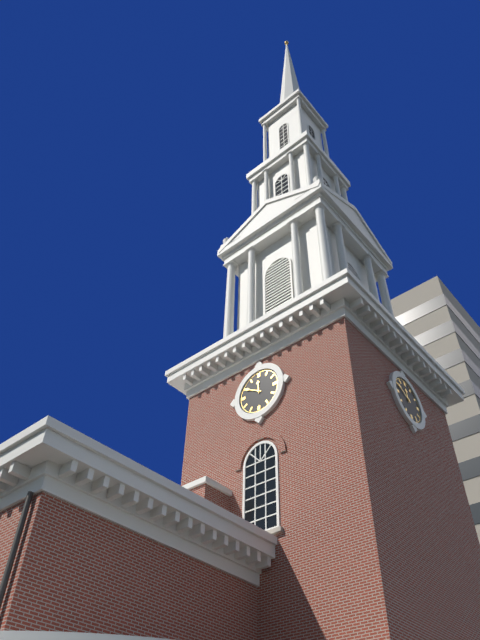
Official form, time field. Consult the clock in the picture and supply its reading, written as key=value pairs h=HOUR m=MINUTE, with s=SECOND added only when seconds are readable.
h=11 m=50
